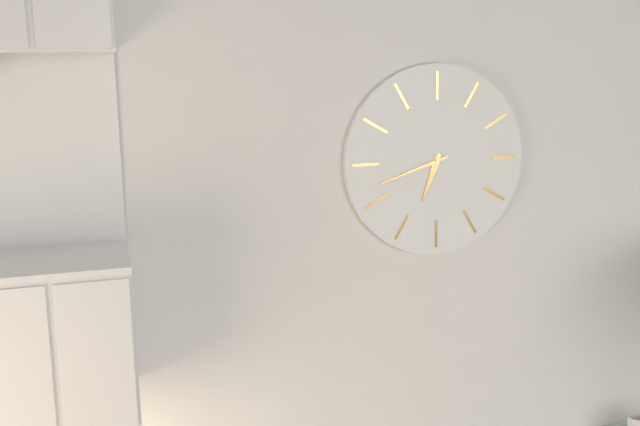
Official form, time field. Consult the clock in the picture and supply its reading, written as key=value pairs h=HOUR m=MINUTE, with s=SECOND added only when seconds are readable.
h=6 m=42
